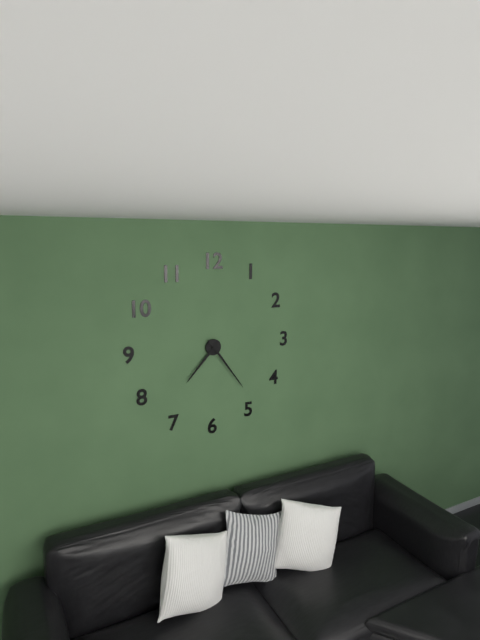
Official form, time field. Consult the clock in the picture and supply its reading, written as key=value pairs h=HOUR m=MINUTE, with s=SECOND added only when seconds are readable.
h=7 m=24
